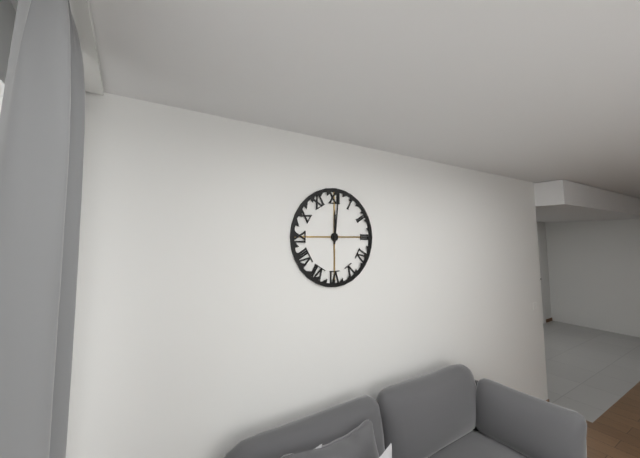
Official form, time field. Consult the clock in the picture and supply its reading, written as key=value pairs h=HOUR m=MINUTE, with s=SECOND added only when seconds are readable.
h=12 m=1
